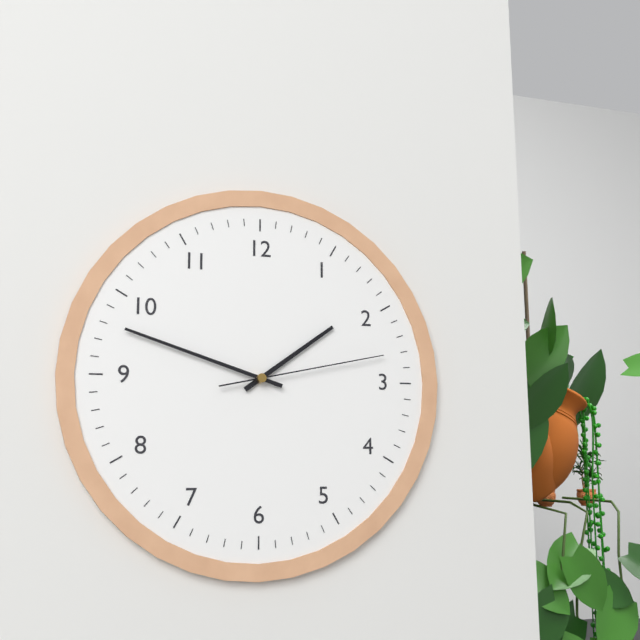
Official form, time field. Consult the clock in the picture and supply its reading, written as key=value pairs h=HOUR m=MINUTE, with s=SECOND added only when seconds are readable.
h=1 m=48 s=13
